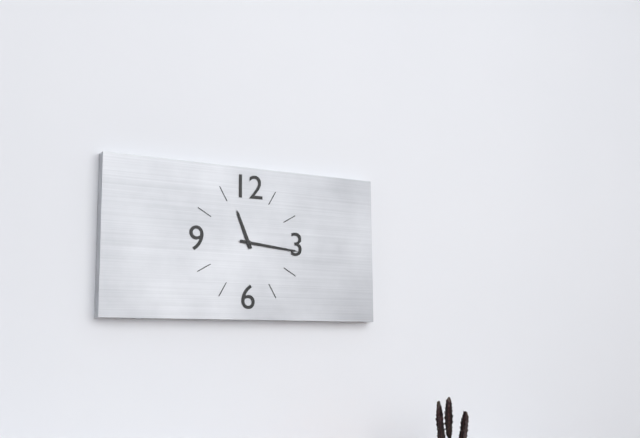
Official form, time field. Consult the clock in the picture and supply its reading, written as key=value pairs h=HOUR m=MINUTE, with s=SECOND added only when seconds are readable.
h=11 m=16
